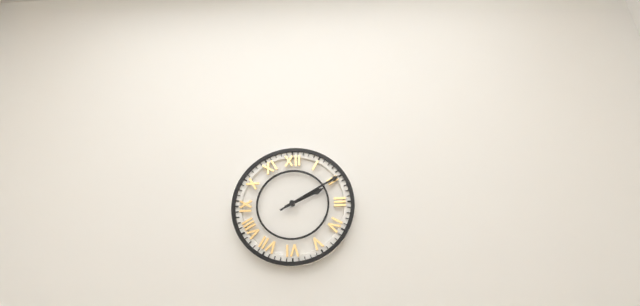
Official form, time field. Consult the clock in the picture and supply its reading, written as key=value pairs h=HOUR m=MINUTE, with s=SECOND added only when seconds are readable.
h=2 m=10
